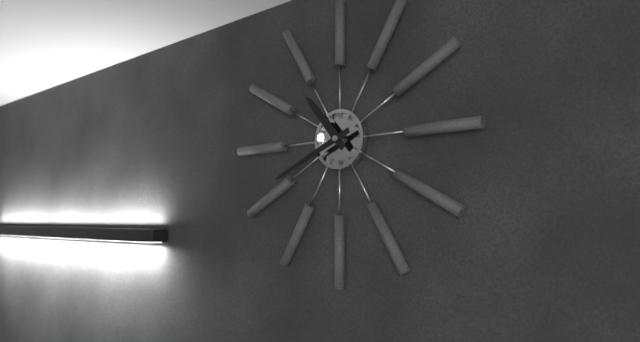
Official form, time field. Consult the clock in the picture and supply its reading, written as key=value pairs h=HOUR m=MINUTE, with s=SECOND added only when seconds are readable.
h=10 m=41
